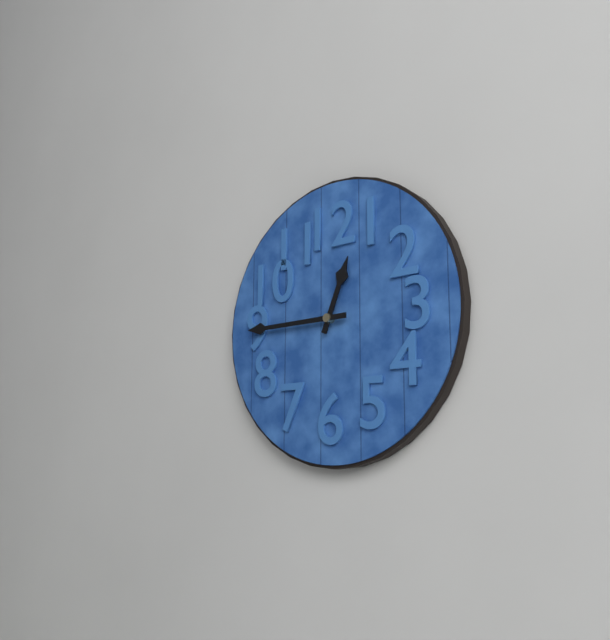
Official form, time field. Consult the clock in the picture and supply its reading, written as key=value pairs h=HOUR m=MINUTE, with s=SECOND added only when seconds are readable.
h=12 m=45
